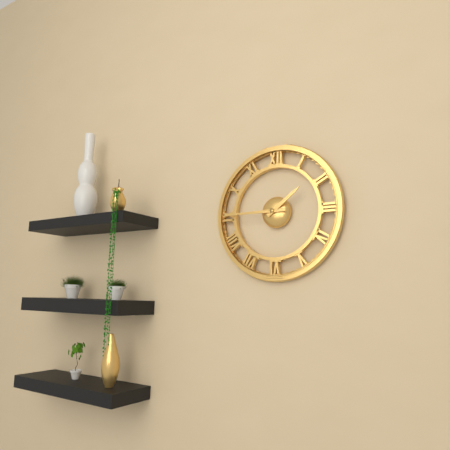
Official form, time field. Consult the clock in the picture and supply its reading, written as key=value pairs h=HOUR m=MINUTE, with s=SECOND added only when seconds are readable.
h=1 m=45
